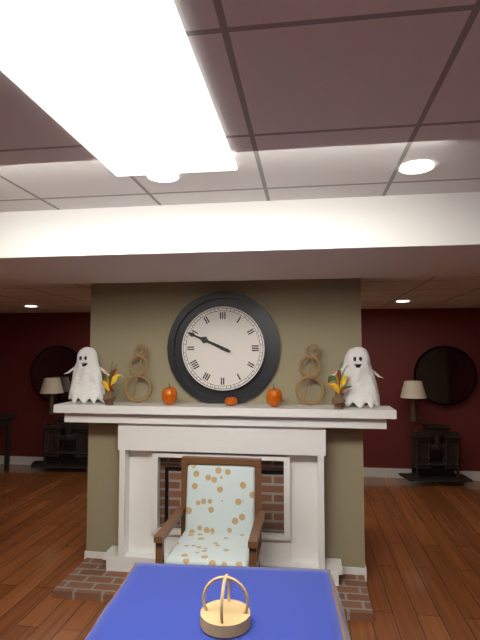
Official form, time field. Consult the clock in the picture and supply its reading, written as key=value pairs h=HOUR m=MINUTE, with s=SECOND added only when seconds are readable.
h=9 m=49
